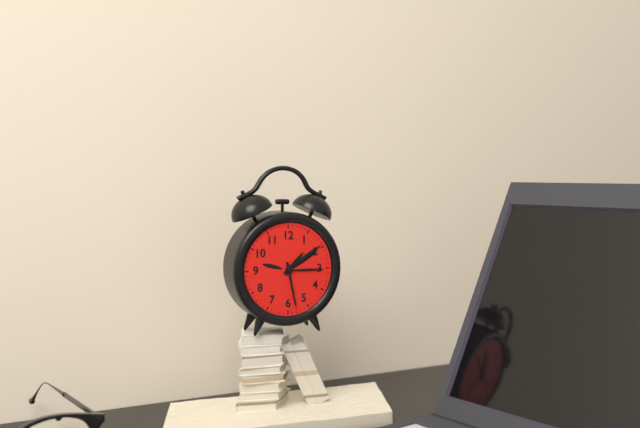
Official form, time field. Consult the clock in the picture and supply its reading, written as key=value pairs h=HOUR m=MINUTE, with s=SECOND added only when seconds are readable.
h=1 m=28
